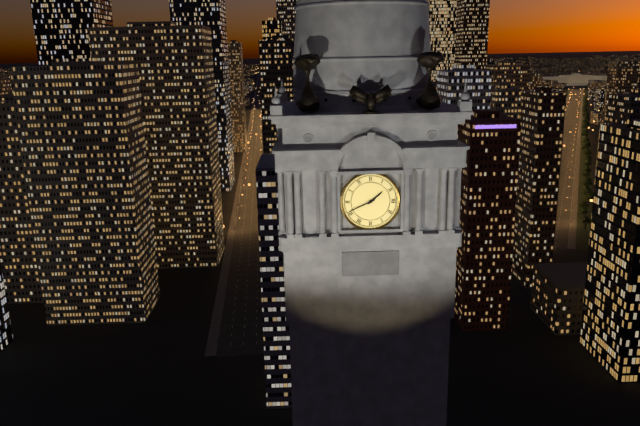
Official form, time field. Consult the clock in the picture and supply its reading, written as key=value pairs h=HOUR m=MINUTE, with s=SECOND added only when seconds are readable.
h=1 m=41
